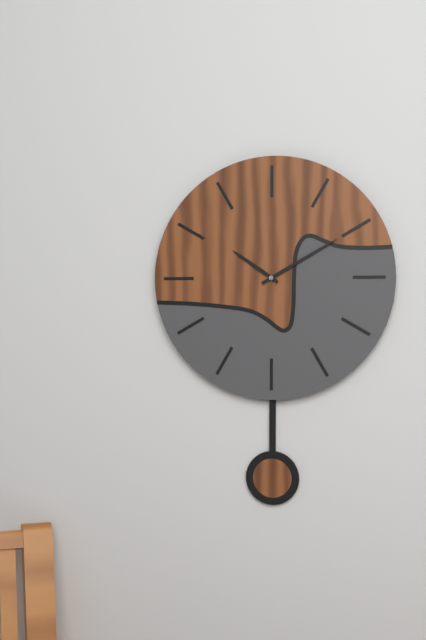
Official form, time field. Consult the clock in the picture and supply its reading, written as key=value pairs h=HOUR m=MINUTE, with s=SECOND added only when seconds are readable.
h=10 m=10
